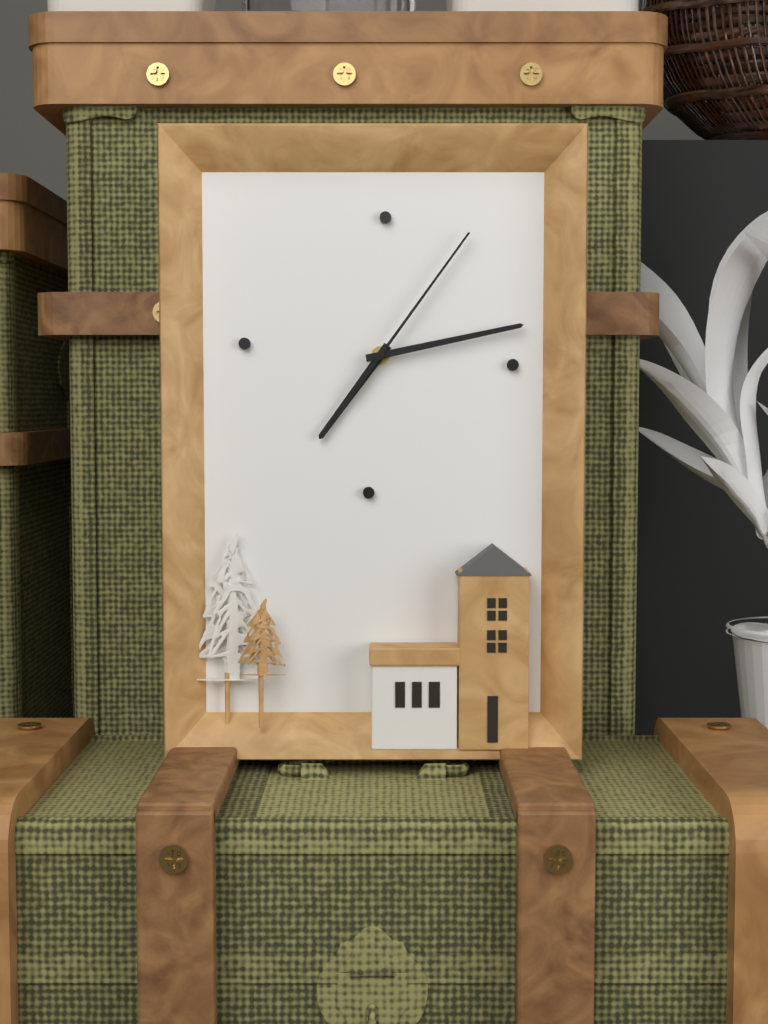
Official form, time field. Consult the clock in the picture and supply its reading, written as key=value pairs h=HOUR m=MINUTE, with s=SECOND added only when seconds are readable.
h=7 m=13 s=6
